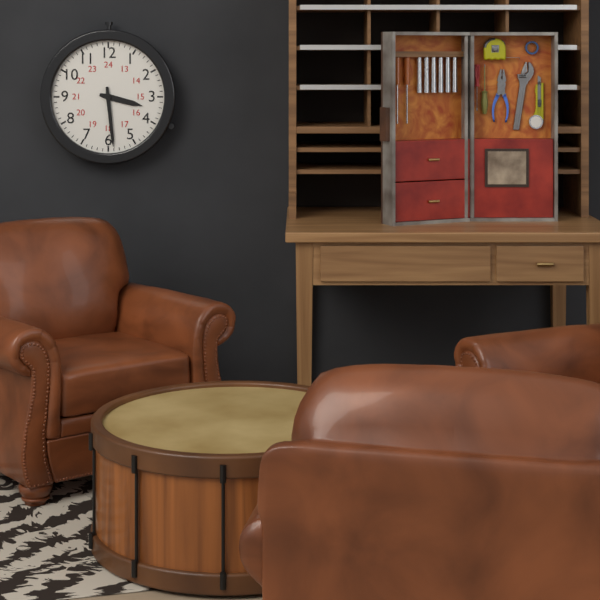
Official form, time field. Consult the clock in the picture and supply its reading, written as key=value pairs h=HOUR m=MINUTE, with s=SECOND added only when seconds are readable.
h=3 m=29
